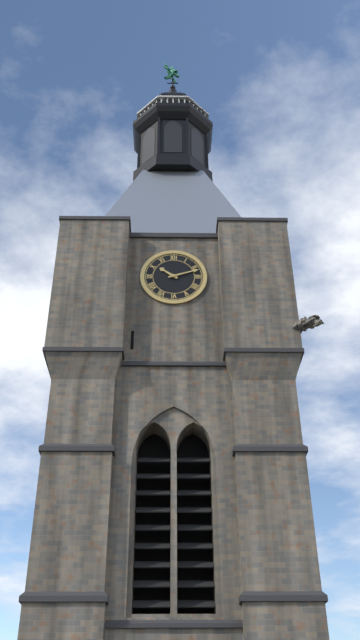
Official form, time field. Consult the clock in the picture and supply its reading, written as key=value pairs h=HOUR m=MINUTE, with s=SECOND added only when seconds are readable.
h=10 m=12
